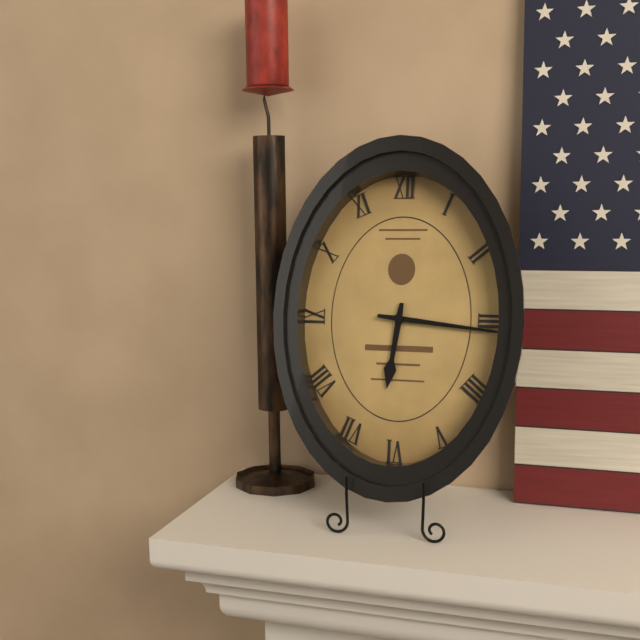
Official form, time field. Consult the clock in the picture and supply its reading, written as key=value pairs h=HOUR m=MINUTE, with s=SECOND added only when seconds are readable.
h=6 m=16
